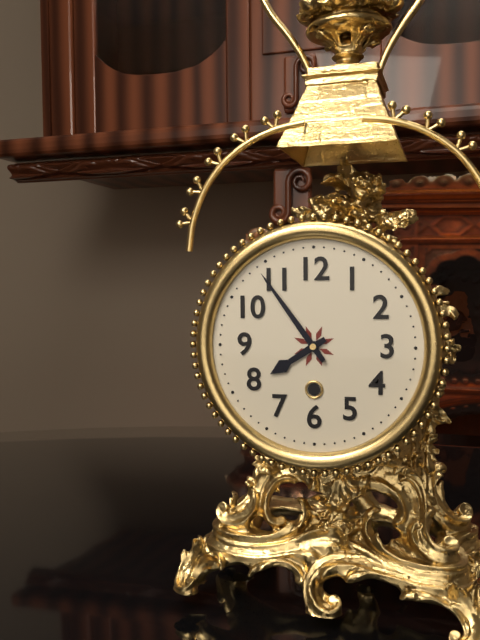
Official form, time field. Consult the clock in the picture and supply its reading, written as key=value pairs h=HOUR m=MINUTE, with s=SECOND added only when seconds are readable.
h=7 m=54
